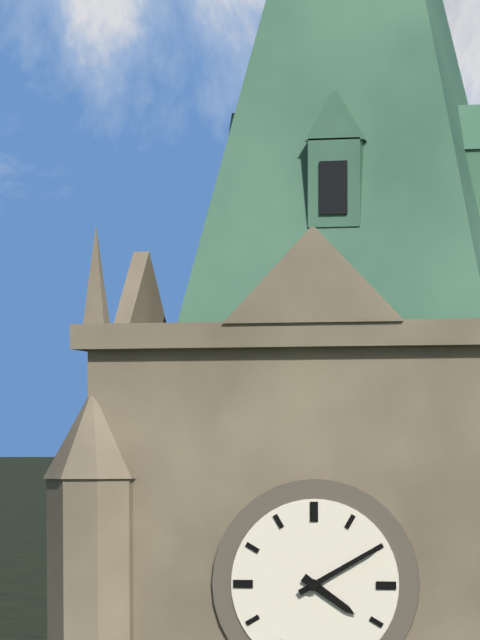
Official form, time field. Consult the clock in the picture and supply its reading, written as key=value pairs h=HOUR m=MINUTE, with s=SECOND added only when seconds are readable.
h=4 m=10
